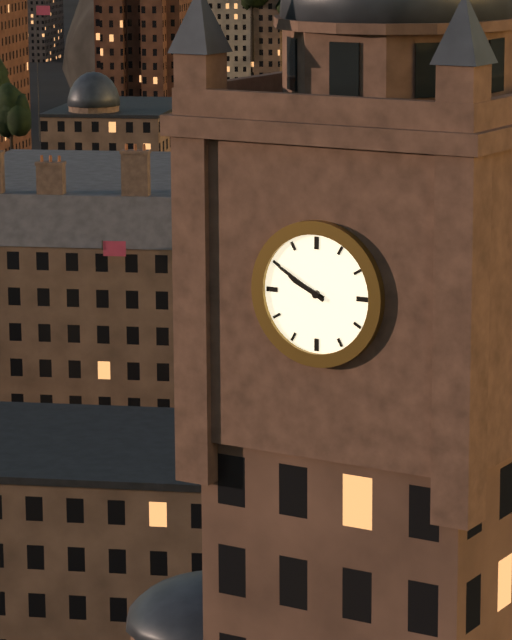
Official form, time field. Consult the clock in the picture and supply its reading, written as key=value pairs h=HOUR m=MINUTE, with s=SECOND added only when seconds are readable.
h=9 m=50
